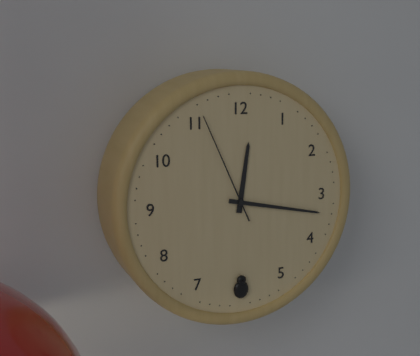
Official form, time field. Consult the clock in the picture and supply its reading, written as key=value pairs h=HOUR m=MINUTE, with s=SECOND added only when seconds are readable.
h=12 m=17 s=56
